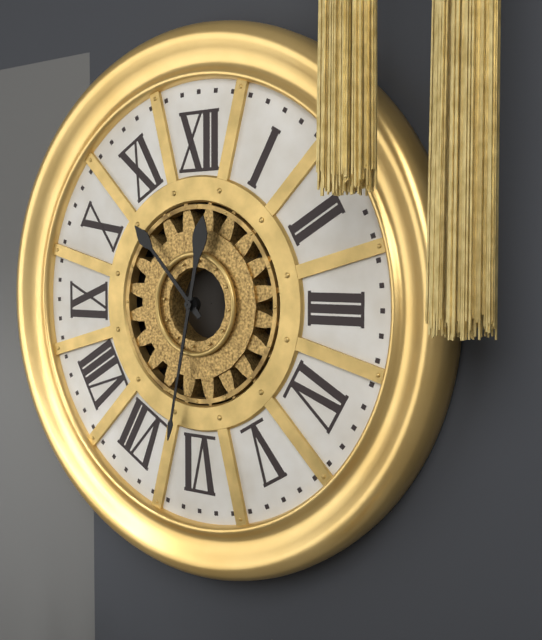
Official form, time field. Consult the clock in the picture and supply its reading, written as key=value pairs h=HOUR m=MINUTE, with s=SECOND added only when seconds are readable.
h=10 m=32
